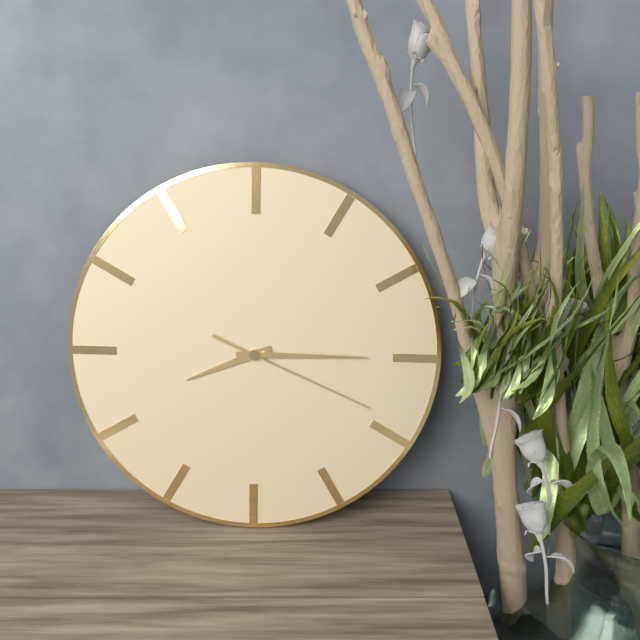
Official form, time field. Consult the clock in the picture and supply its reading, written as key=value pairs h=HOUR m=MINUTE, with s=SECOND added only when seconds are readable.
h=8 m=15 s=19
